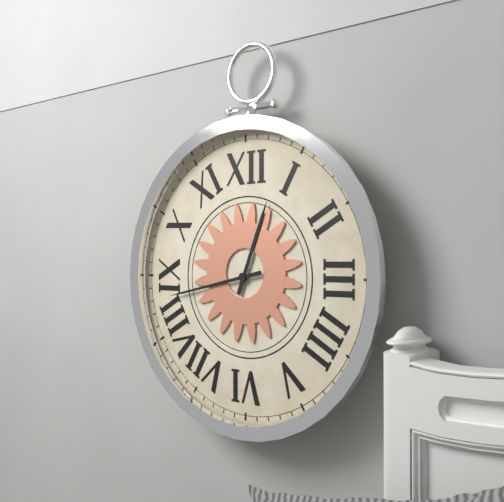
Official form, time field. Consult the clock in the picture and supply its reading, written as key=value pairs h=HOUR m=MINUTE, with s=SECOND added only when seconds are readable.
h=12 m=43
